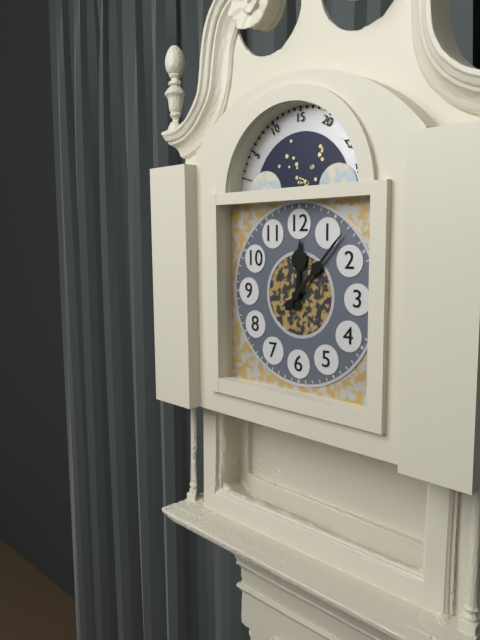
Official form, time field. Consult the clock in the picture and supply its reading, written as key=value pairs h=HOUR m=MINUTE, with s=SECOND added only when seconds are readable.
h=12 m=7
